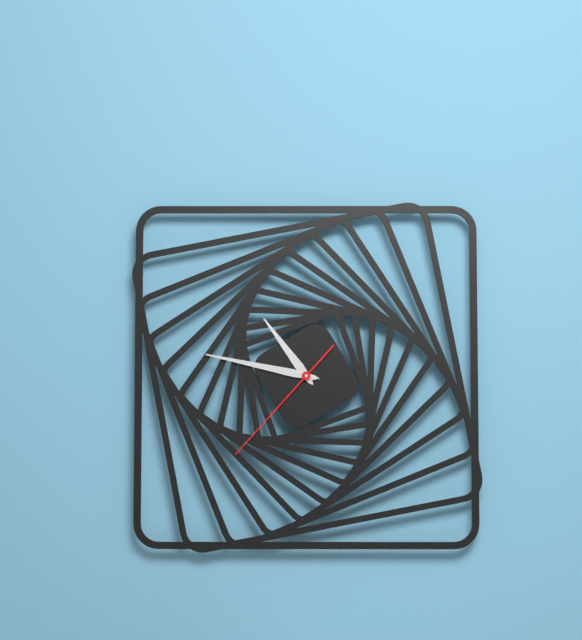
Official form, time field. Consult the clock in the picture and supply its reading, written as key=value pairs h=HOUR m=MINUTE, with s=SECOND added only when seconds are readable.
h=10 m=47 s=37
